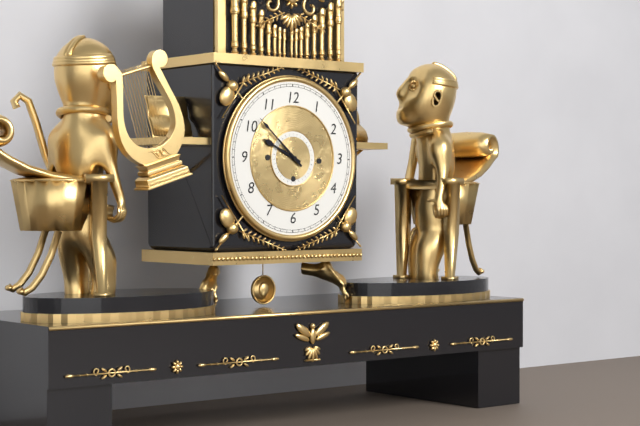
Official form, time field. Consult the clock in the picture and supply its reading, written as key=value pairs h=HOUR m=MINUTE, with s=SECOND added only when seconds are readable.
h=9 m=52
